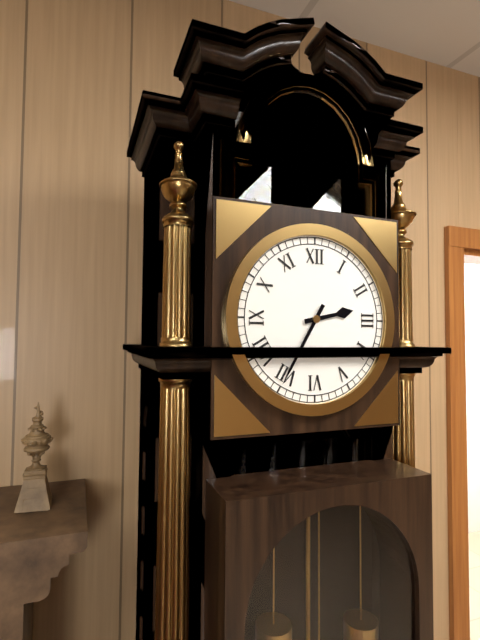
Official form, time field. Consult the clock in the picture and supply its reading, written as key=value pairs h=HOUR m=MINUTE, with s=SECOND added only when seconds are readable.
h=2 m=35
